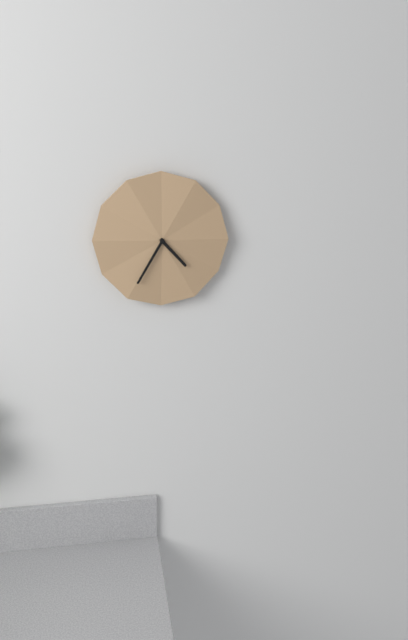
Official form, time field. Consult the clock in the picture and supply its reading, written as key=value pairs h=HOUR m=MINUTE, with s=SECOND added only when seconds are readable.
h=4 m=35
